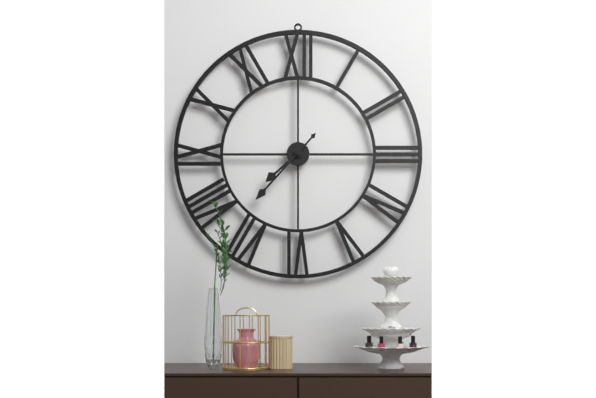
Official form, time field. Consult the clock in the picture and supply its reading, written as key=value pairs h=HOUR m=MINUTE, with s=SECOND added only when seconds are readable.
h=7 m=37
